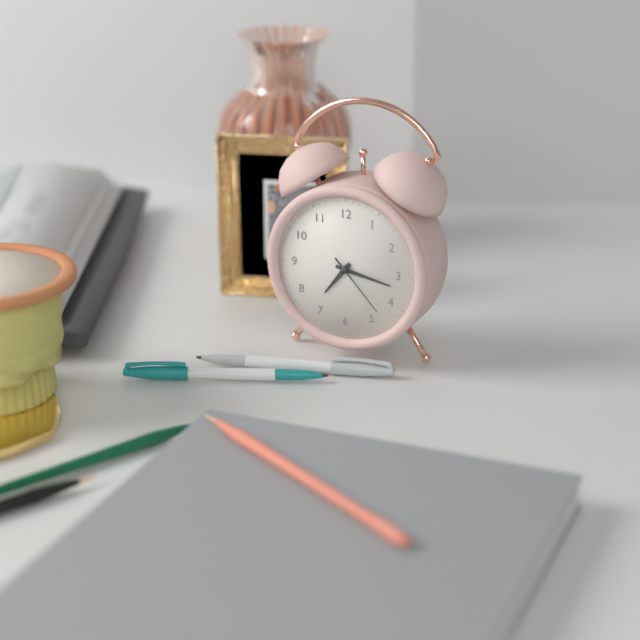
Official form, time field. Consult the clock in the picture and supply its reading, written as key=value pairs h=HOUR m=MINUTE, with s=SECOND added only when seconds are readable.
h=7 m=17 s=23
